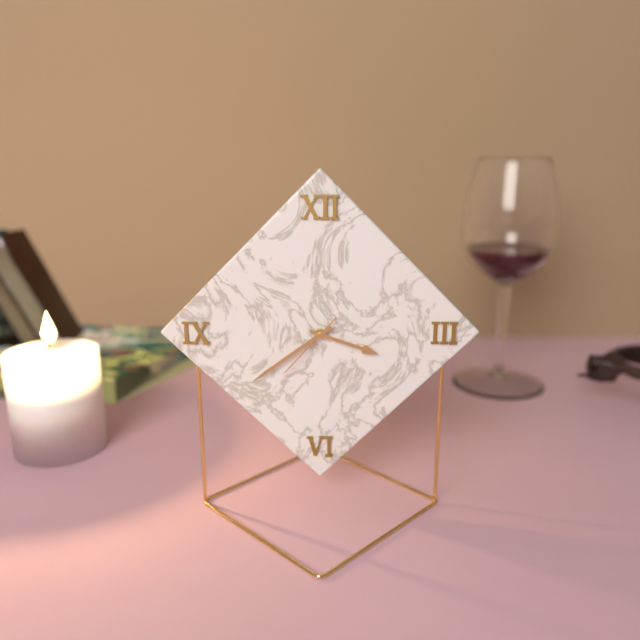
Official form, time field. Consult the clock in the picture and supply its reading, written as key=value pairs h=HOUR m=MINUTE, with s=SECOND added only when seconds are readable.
h=3 m=39 s=37
